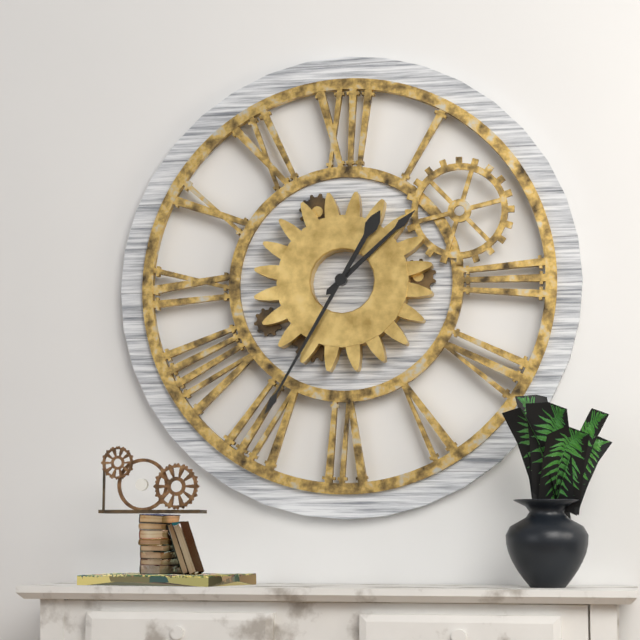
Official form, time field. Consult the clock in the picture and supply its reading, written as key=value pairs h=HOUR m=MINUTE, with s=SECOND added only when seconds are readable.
h=1 m=35
